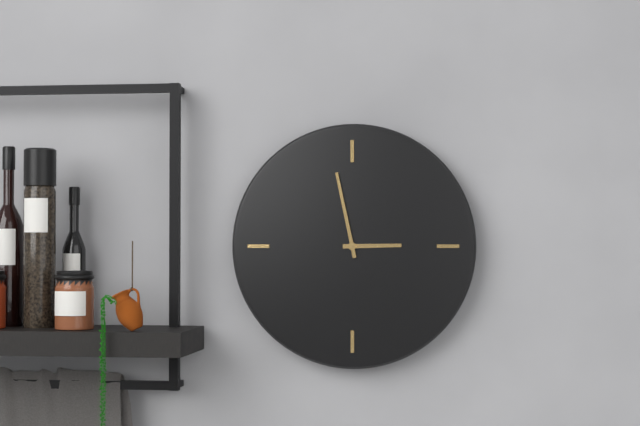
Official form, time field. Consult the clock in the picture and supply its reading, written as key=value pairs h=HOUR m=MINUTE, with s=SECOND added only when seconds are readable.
h=2 m=58
